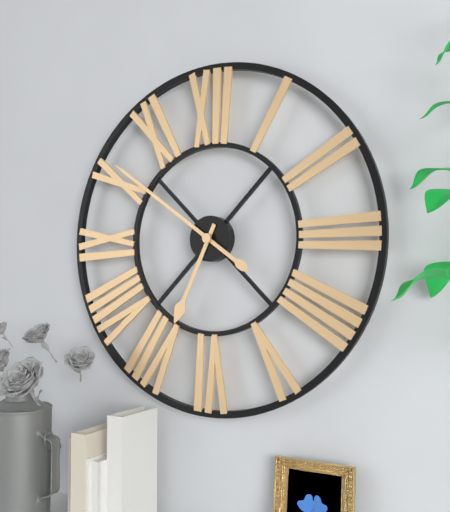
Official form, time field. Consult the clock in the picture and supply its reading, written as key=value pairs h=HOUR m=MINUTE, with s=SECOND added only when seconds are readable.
h=6 m=51
